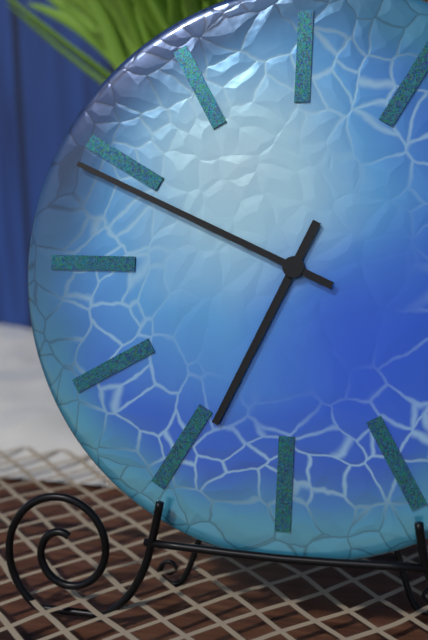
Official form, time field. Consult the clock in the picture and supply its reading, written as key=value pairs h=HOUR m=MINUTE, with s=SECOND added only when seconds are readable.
h=6 m=49
